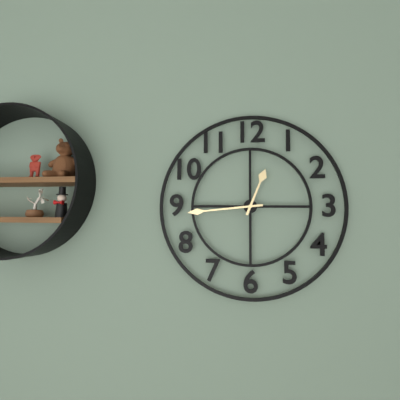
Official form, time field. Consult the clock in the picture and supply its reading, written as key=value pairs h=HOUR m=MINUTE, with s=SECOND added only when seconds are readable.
h=12 m=44
